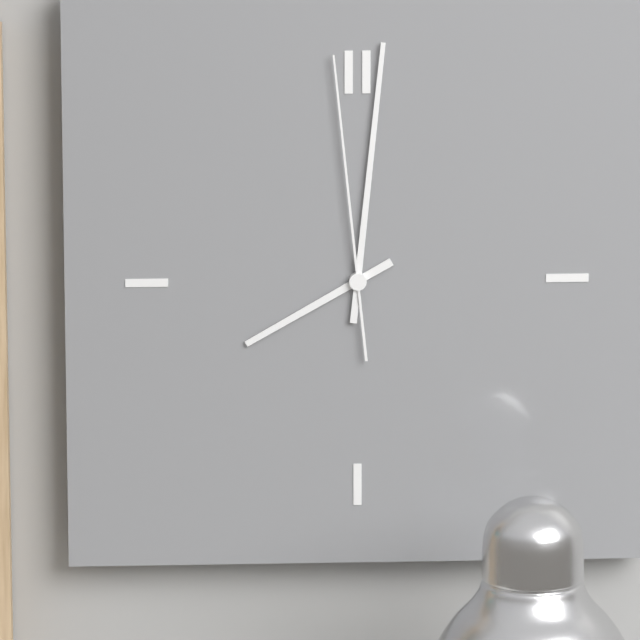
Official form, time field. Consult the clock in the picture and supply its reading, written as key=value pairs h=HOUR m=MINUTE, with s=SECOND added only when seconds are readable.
h=8 m=1 s=59
